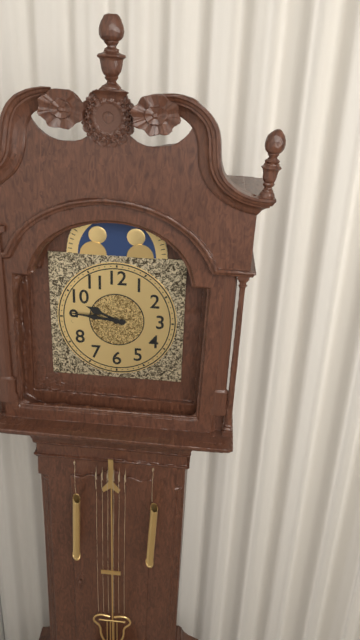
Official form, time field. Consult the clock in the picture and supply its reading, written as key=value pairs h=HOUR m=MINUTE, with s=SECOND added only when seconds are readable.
h=9 m=46
